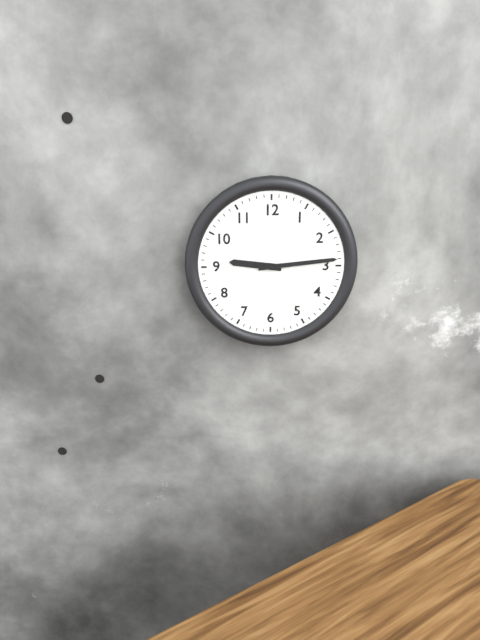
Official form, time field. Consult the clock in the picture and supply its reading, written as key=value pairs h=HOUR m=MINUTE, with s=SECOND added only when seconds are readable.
h=9 m=14
